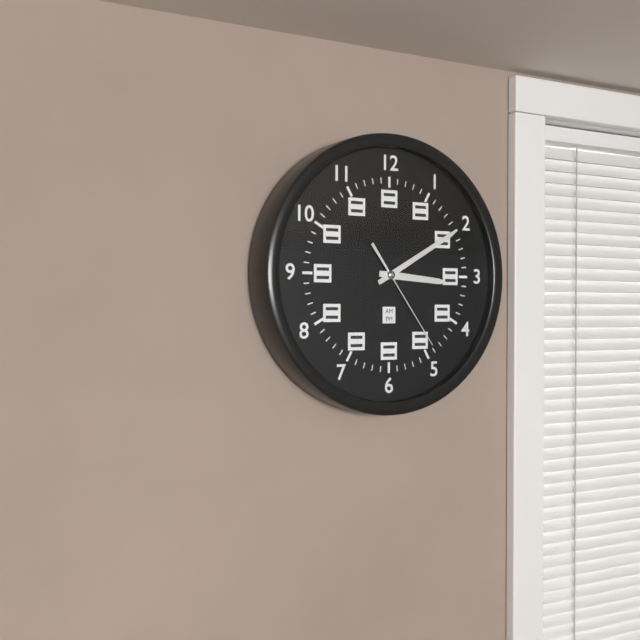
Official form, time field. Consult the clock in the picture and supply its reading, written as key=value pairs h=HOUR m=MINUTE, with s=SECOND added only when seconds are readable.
h=3 m=10 s=24
